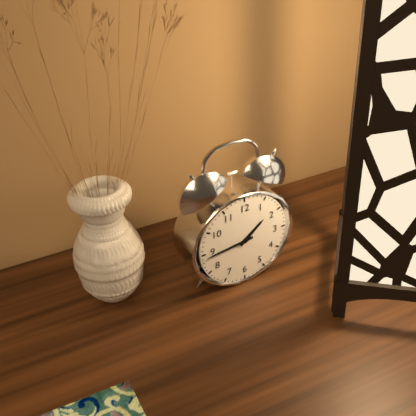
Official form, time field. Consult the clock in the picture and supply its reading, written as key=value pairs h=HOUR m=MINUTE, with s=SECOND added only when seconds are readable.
h=1 m=44
